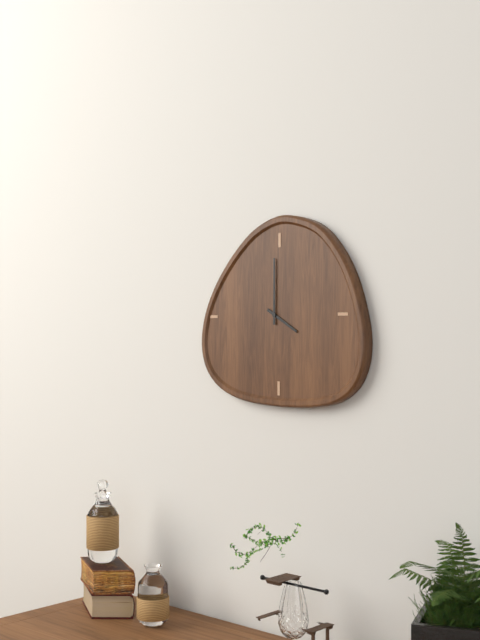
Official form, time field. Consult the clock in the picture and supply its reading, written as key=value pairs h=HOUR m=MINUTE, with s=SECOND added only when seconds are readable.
h=4 m=0
